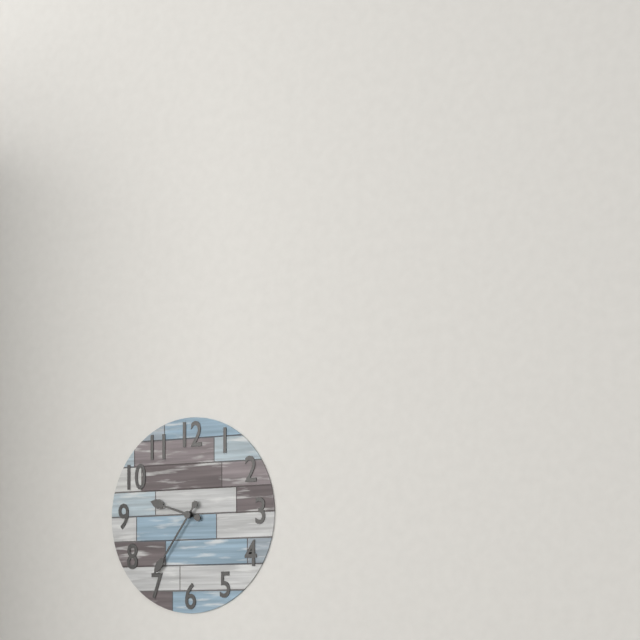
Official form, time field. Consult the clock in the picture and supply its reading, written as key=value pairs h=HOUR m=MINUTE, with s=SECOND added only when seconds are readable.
h=9 m=36
